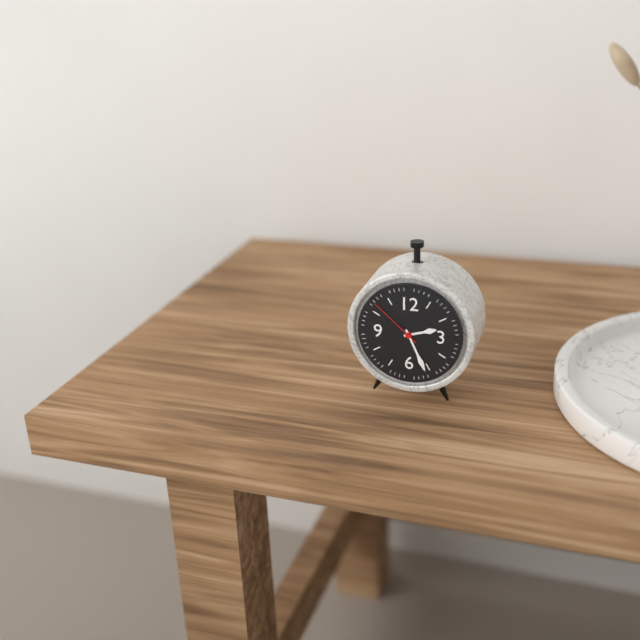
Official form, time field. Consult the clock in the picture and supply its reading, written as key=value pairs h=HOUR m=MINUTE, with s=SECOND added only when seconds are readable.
h=2 m=26 s=52
